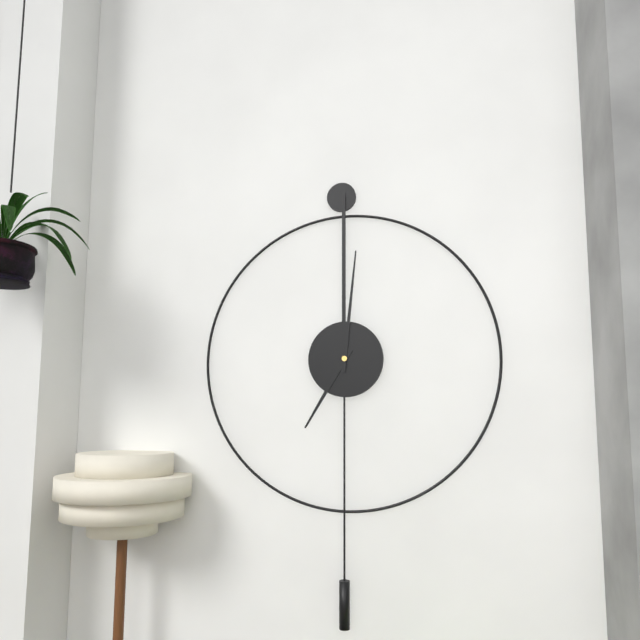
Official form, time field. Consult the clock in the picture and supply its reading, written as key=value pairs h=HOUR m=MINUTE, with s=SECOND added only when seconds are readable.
h=7 m=1
